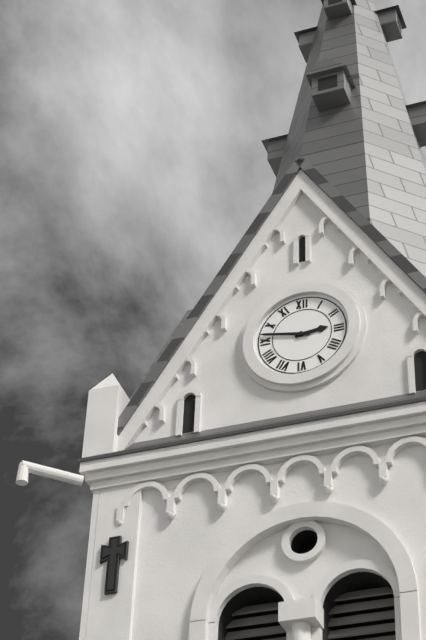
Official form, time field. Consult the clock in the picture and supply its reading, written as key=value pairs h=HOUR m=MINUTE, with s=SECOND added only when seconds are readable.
h=2 m=47
